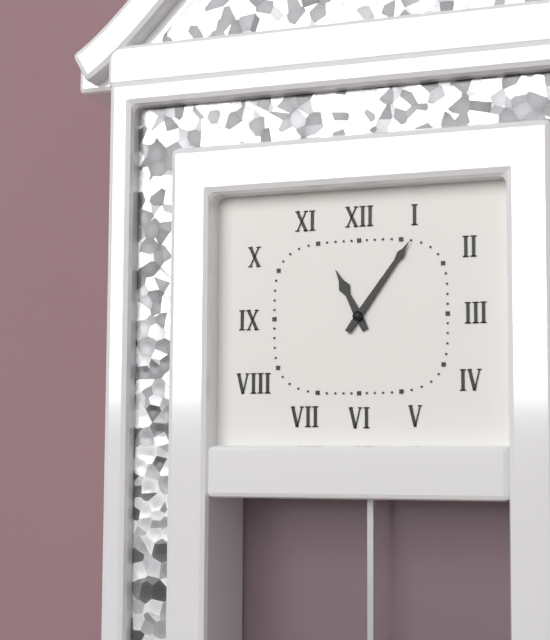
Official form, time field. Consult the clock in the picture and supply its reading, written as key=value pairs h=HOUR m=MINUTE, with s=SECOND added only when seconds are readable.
h=11 m=6
